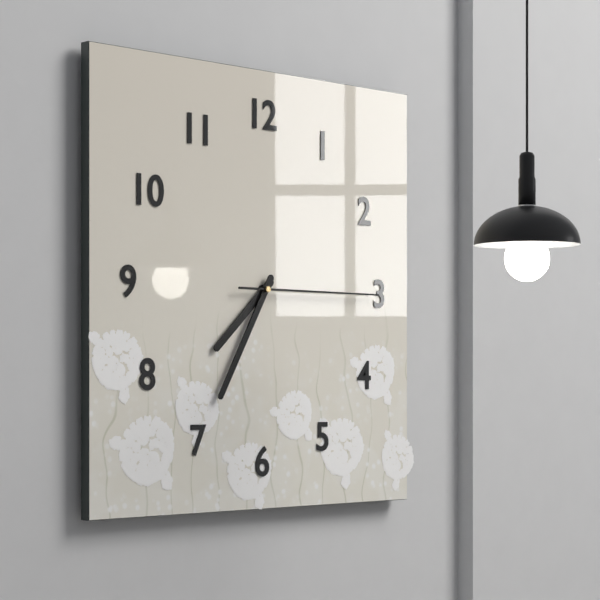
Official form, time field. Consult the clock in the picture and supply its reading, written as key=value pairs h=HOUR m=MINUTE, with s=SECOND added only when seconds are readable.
h=7 m=35 s=15
